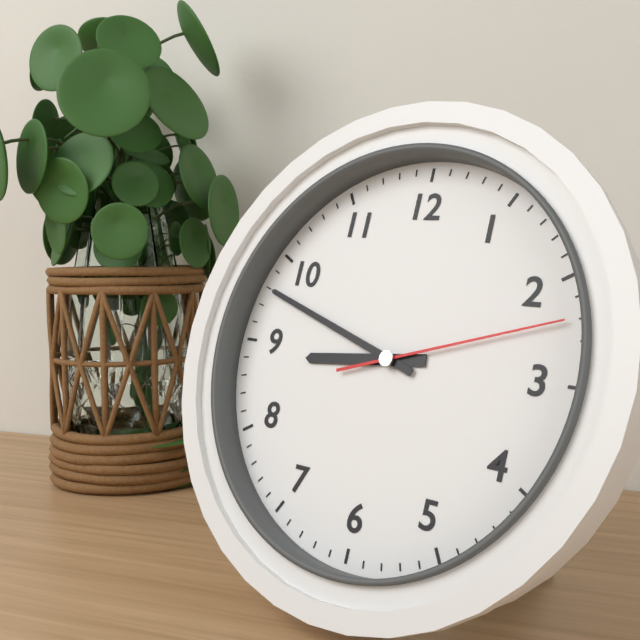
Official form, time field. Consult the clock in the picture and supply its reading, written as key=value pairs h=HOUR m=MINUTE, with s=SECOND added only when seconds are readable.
h=8 m=48 s=12
